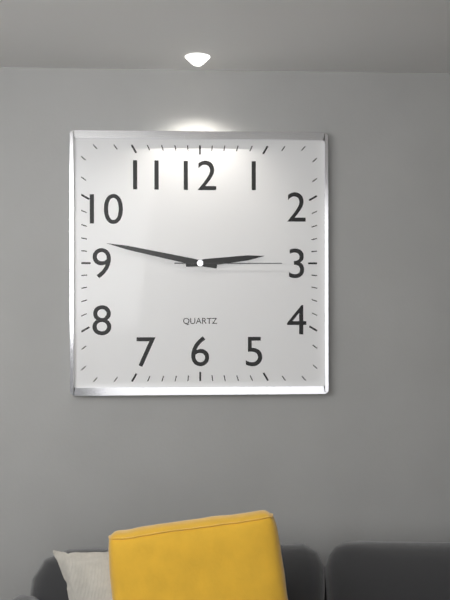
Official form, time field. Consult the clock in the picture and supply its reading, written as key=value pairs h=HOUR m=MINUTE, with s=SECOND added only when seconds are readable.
h=2 m=47 s=15
